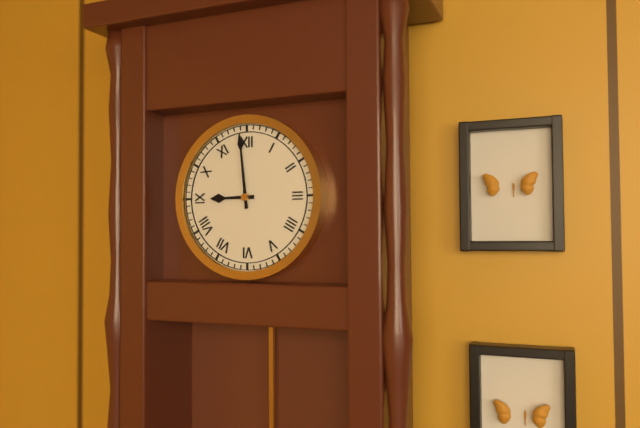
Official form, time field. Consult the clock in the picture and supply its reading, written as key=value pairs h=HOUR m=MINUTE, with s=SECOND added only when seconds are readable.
h=8 m=59
